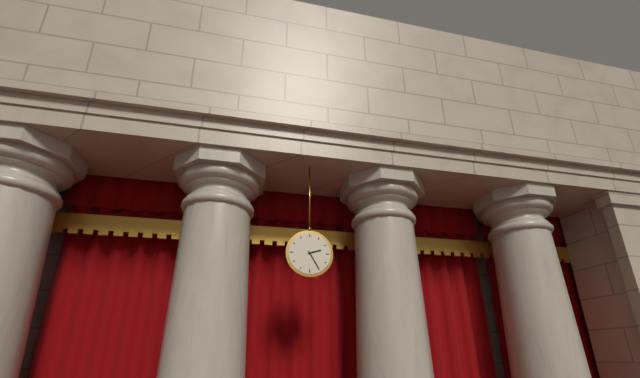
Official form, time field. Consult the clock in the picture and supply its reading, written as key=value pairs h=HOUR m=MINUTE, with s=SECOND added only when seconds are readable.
h=2 m=25
